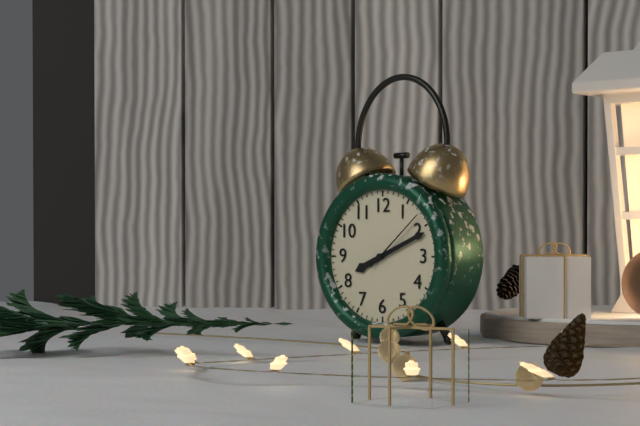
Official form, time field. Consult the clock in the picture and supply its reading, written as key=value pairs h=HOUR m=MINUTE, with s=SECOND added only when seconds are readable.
h=8 m=11 s=8
